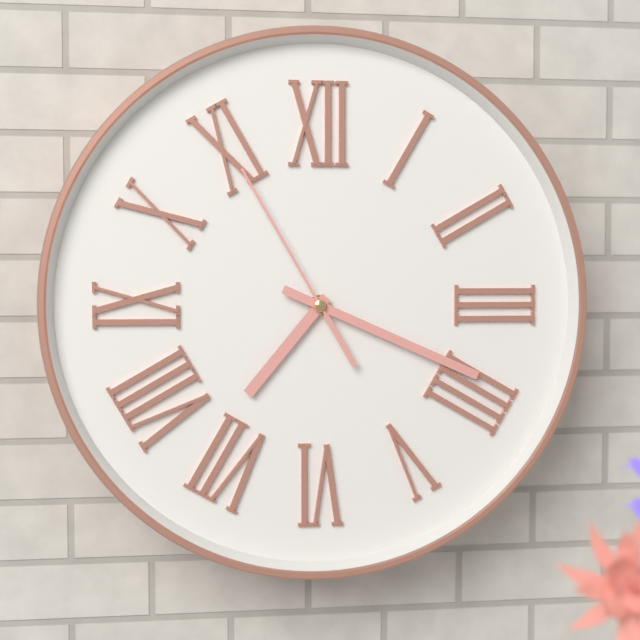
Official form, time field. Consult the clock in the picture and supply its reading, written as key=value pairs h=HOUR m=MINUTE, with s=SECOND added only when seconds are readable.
h=7 m=19 s=55
